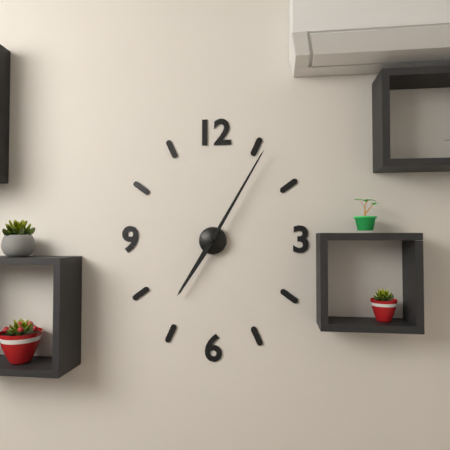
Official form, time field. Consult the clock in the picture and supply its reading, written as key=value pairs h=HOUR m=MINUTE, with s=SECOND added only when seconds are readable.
h=7 m=5
